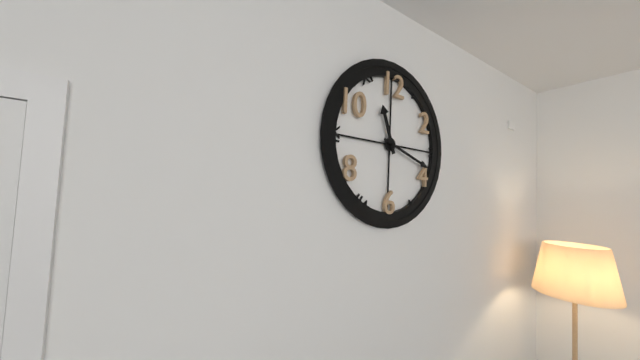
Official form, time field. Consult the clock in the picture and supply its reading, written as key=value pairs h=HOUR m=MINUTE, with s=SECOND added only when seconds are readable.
h=11 m=18
